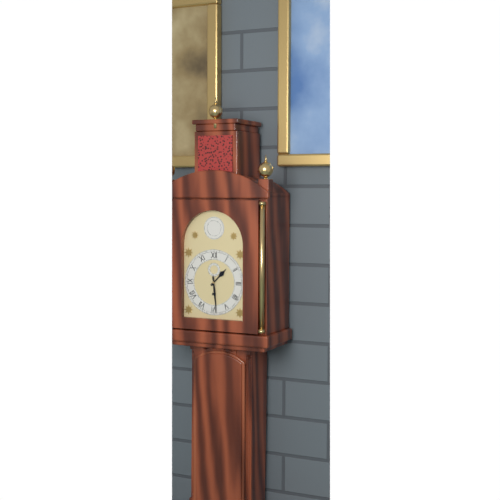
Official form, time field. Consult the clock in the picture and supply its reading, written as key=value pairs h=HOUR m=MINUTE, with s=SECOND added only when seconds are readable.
h=1 m=29
